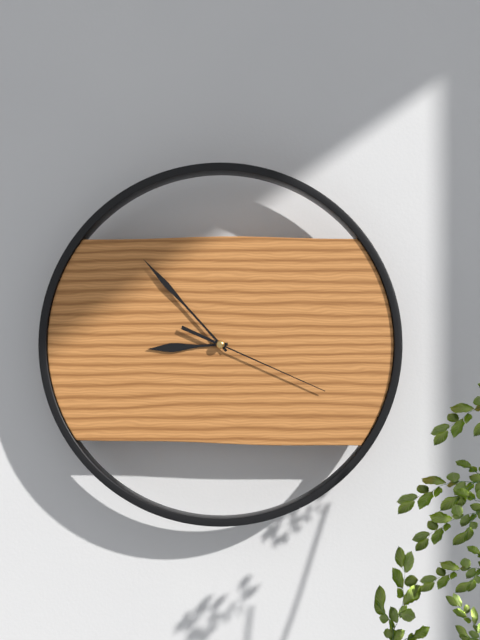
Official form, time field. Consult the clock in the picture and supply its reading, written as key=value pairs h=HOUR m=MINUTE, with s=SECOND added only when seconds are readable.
h=8 m=53 s=19
